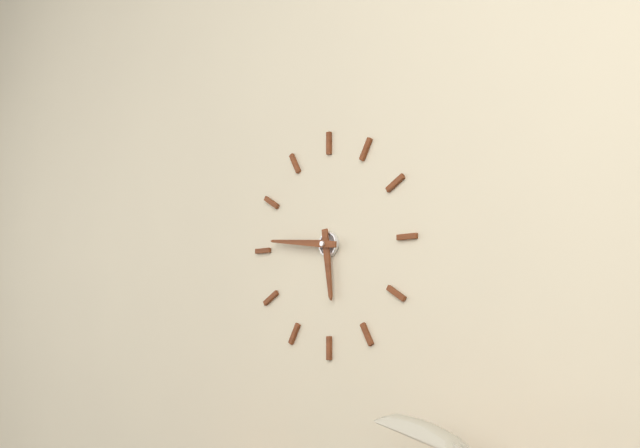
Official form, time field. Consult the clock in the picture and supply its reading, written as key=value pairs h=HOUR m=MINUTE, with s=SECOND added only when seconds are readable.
h=5 m=46
